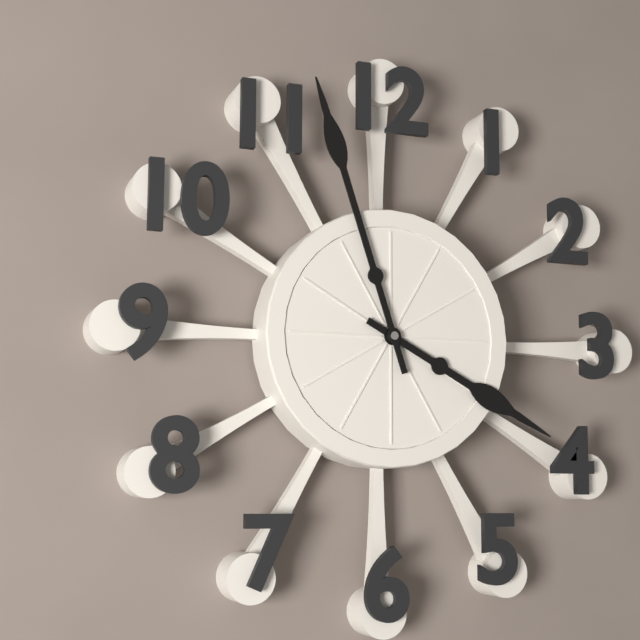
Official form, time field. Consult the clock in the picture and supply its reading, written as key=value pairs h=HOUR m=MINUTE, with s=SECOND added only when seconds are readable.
h=3 m=57
